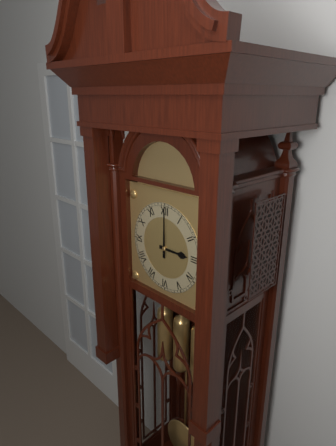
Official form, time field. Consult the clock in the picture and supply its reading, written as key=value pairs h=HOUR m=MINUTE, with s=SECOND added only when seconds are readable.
h=3 m=0
